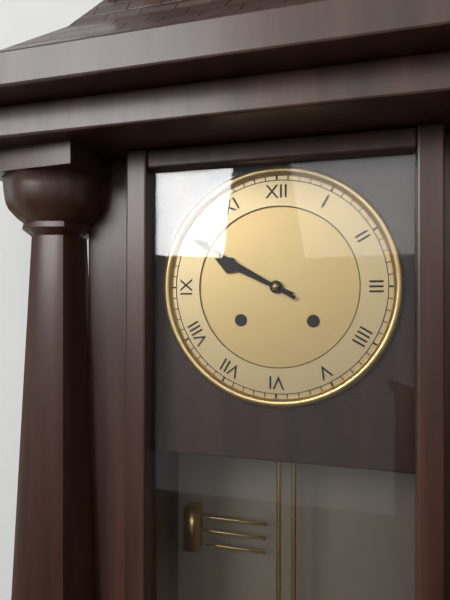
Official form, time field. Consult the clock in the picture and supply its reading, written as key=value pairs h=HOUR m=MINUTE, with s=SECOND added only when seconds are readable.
h=9 m=50
